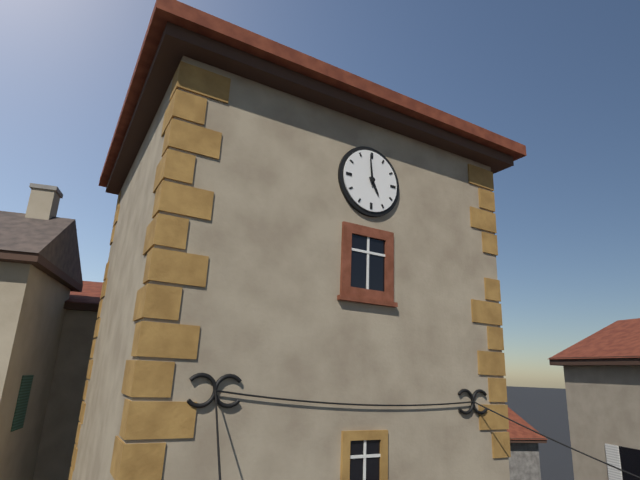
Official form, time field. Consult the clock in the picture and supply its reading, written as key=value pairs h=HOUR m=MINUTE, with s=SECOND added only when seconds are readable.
h=4 m=59
